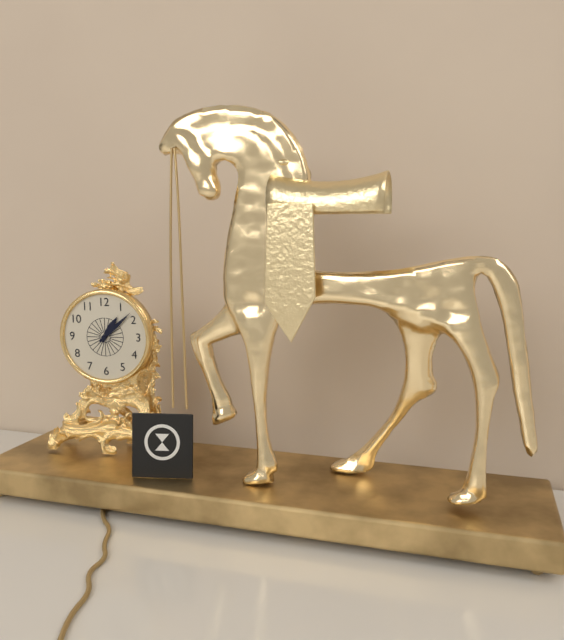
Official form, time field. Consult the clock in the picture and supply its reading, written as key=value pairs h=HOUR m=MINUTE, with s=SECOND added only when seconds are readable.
h=1 m=8
